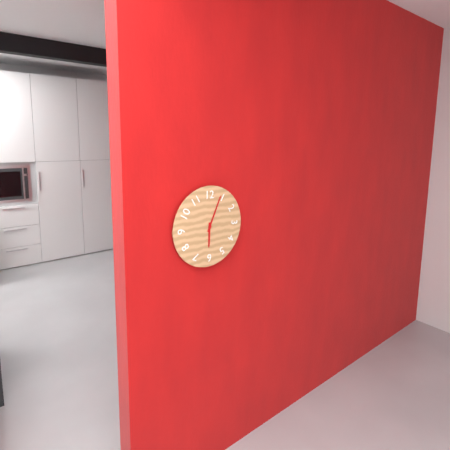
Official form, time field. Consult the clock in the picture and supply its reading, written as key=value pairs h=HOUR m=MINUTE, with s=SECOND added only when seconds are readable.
h=6 m=4
